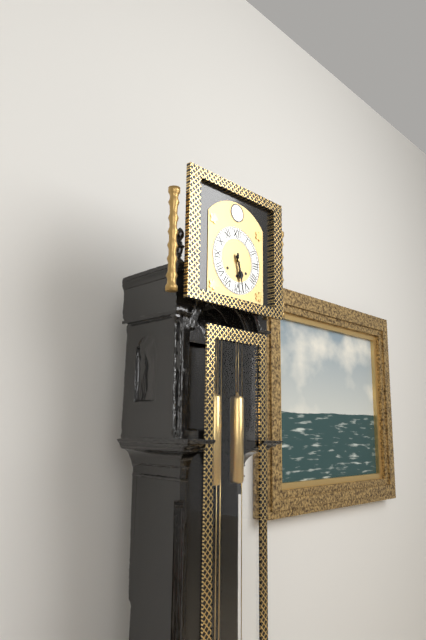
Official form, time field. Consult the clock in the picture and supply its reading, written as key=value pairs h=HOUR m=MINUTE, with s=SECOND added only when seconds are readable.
h=5 m=28
